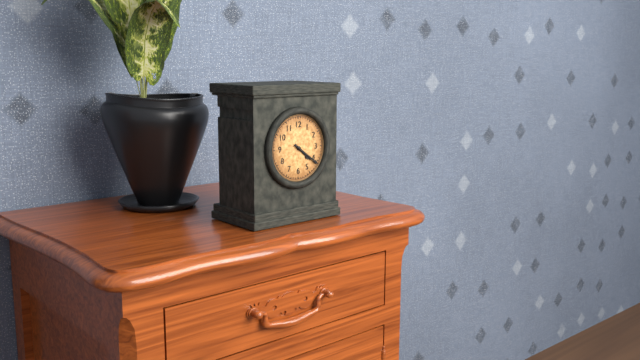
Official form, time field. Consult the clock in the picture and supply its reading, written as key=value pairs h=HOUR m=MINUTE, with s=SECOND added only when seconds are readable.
h=4 m=21
